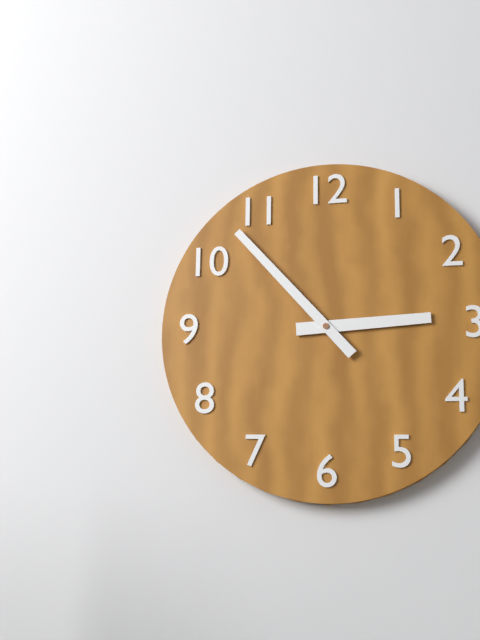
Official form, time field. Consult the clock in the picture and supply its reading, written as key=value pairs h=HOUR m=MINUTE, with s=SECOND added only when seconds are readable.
h=2 m=53
